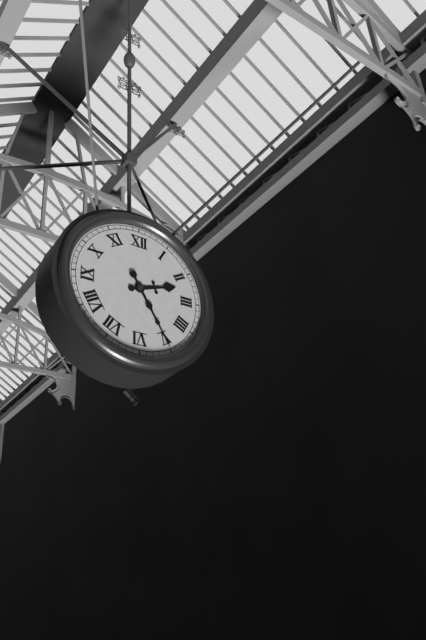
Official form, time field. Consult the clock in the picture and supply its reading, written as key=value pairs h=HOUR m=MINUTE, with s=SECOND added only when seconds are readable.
h=2 m=25
